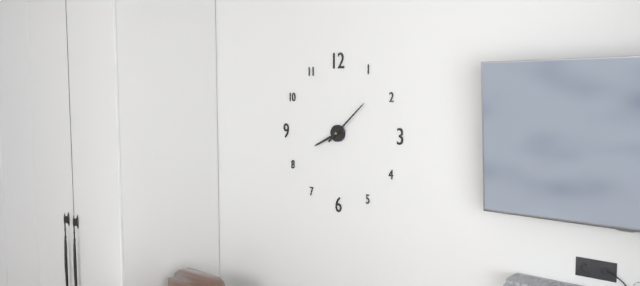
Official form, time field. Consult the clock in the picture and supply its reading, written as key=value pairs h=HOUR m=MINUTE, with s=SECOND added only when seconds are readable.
h=8 m=8
